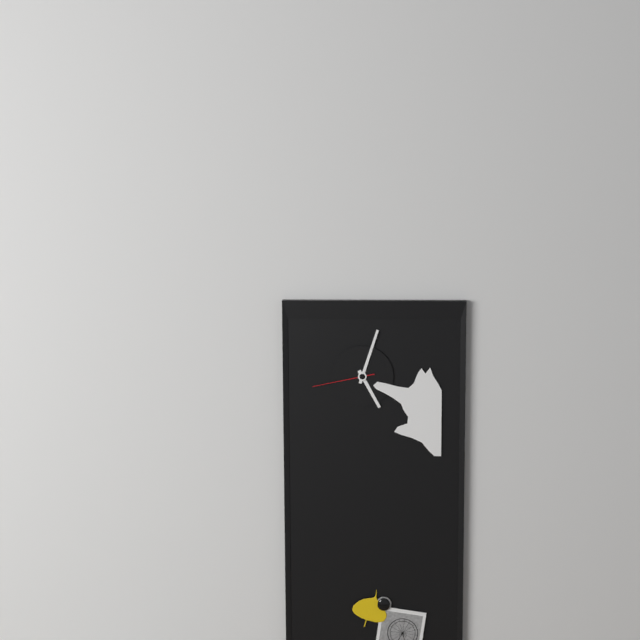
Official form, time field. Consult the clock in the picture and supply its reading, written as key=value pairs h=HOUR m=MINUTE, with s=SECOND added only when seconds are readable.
h=5 m=3 s=43
